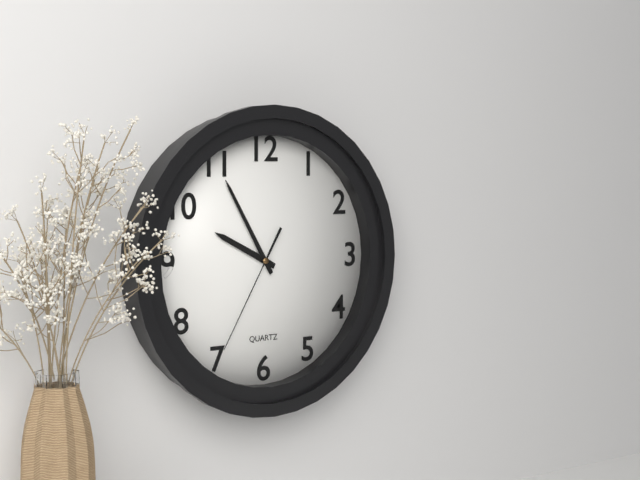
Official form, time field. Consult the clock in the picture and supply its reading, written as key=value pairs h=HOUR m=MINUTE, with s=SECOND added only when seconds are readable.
h=9 m=55 s=35
